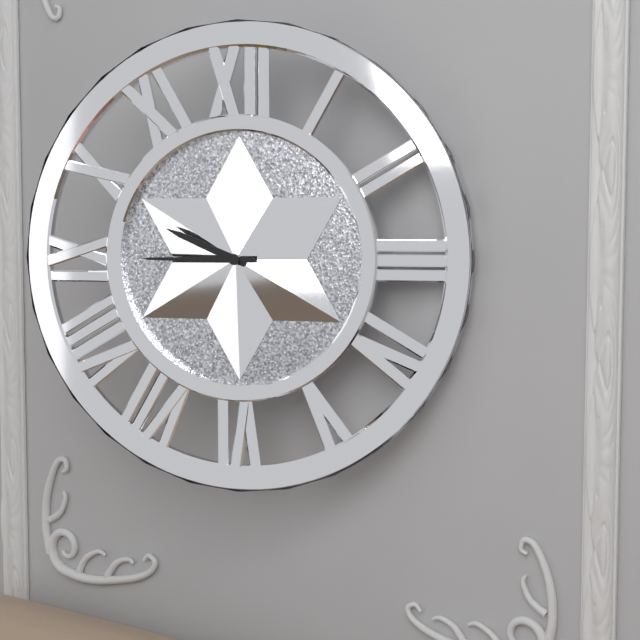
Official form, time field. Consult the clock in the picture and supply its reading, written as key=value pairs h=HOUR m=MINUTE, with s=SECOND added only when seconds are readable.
h=9 m=45
